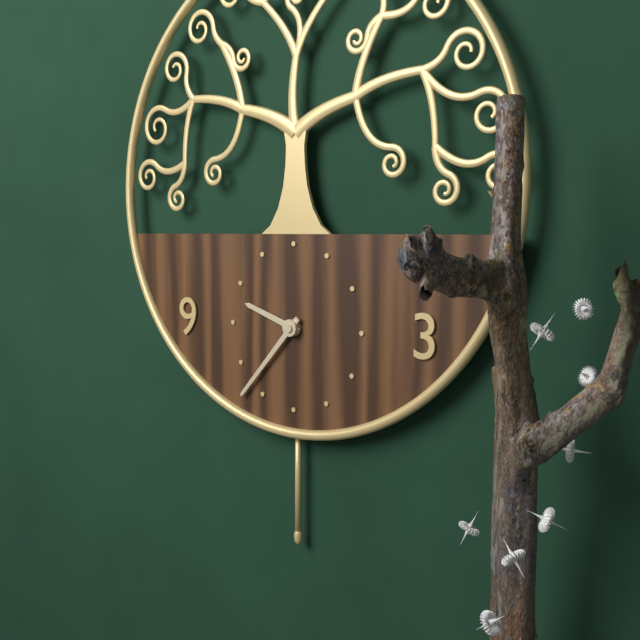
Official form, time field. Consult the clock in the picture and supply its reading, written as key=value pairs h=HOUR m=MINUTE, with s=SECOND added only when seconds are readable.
h=9 m=37
